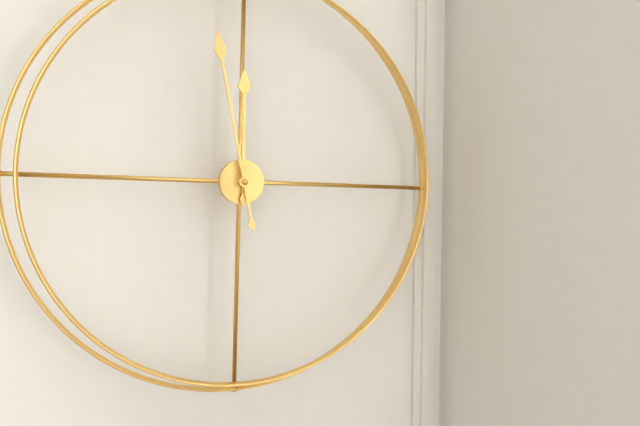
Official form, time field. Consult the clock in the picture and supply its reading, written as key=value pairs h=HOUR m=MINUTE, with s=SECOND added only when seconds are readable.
h=11 m=58
